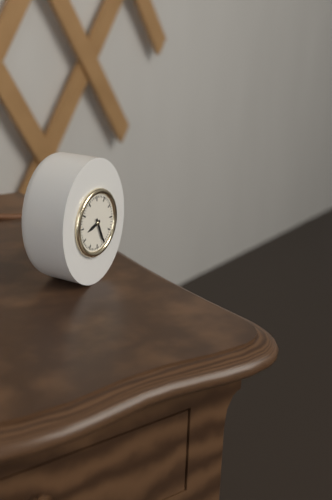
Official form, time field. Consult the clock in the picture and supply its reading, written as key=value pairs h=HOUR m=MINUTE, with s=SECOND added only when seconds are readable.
h=8 m=26
